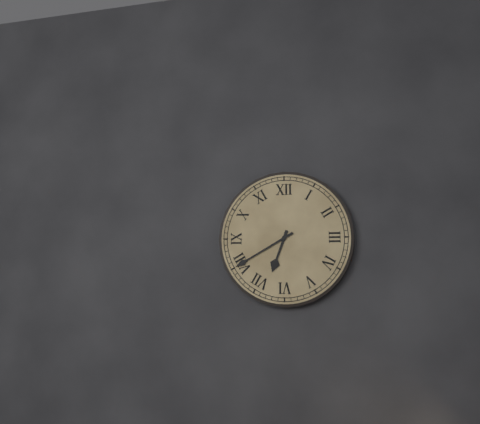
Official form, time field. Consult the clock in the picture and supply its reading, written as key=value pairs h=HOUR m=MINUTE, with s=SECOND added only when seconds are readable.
h=6 m=40
